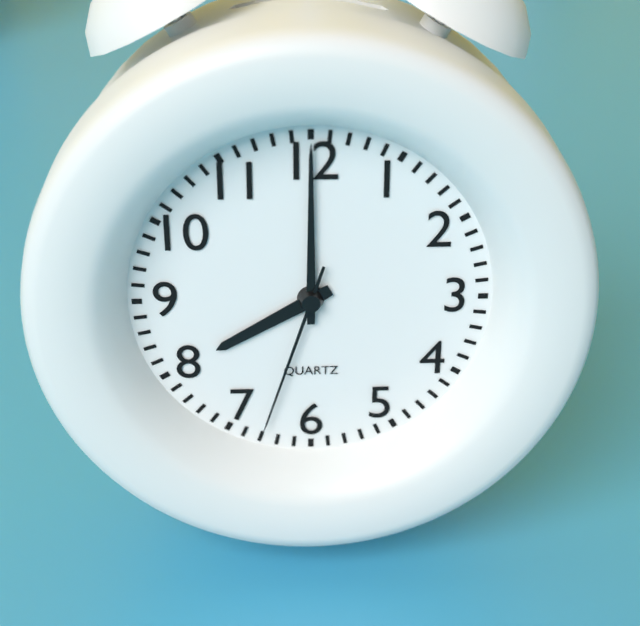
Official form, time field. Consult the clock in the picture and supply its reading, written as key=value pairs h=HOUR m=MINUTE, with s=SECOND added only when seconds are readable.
h=8 m=0 s=33
